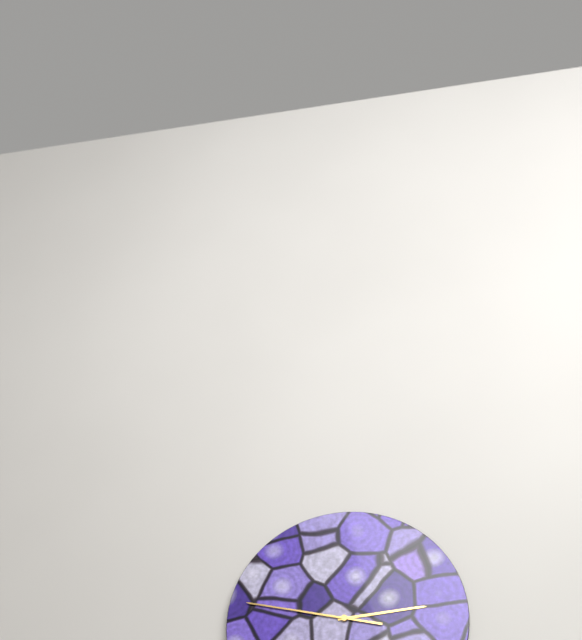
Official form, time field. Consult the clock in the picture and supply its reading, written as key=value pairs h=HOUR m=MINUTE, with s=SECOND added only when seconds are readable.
h=2 m=47
